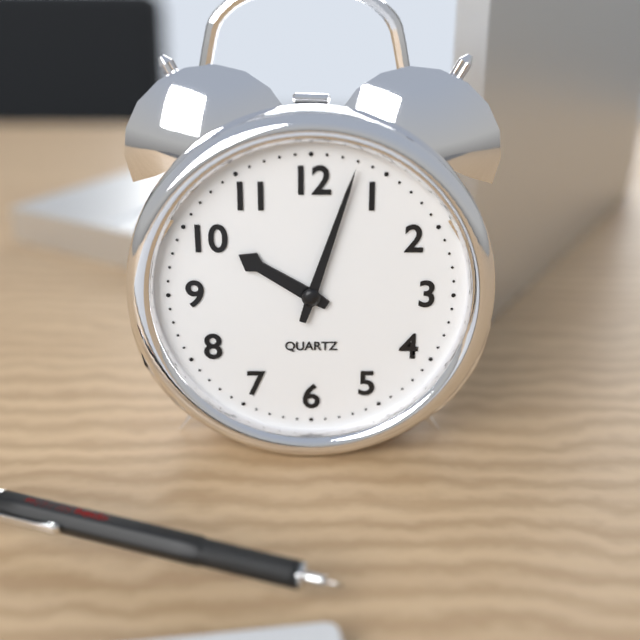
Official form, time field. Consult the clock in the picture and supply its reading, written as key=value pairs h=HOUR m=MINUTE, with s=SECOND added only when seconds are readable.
h=10 m=3
